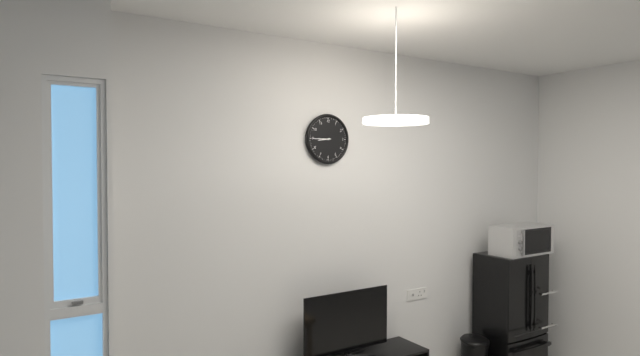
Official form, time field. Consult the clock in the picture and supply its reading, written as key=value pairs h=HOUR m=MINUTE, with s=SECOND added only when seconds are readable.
h=8 m=45
